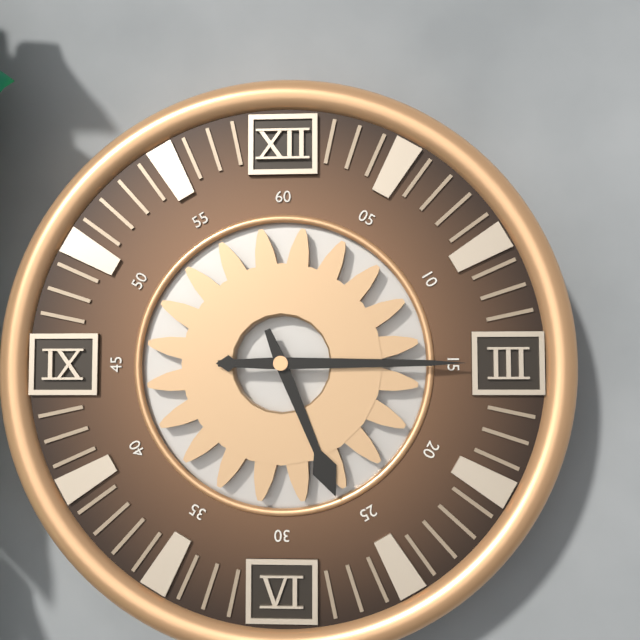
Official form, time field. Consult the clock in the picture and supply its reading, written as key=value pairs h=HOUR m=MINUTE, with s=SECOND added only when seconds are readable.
h=5 m=15
